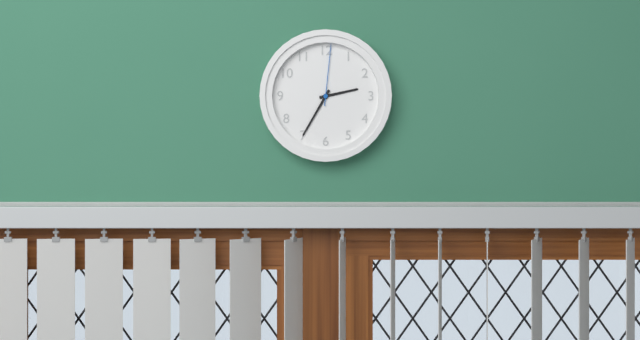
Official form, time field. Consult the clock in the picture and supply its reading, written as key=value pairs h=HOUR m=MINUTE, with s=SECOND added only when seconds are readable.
h=2 m=35 s=1
